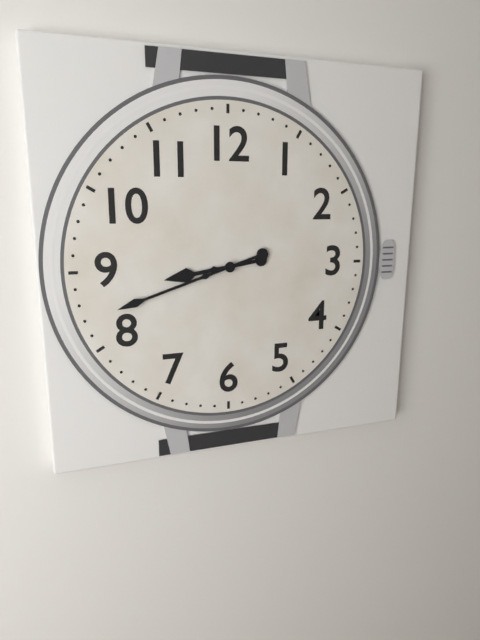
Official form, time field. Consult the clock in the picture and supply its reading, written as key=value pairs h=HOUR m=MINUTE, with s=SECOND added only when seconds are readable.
h=8 m=42
